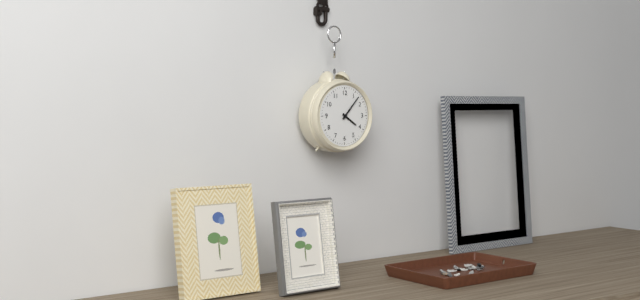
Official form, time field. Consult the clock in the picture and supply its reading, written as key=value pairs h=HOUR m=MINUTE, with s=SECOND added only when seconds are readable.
h=4 m=7
